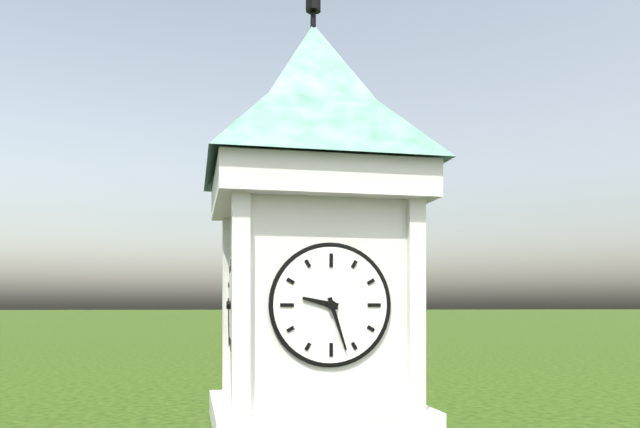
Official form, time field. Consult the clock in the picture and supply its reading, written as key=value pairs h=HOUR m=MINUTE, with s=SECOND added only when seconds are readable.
h=9 m=27
